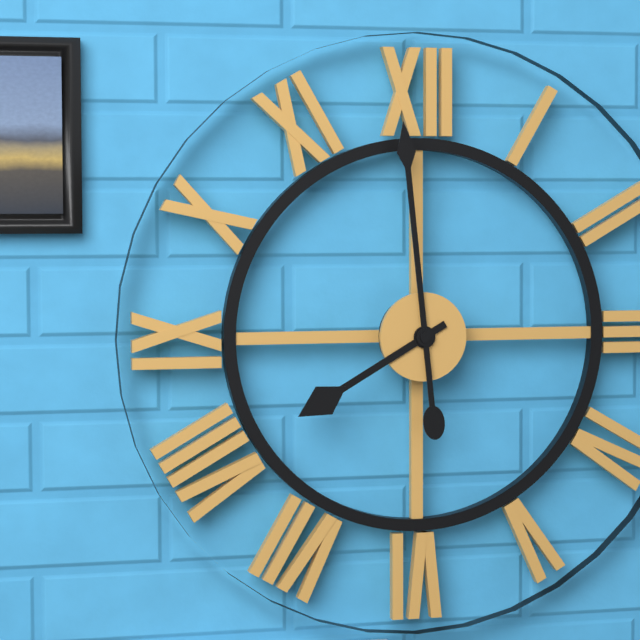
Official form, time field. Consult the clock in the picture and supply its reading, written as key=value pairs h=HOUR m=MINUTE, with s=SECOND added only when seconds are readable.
h=7 m=59
